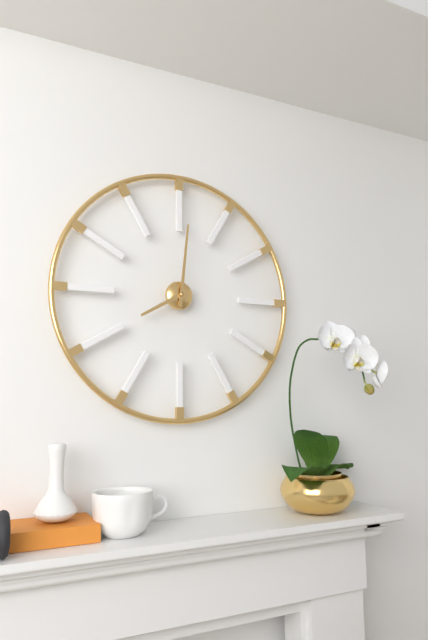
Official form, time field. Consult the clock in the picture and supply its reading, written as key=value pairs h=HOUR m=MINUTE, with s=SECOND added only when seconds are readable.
h=8 m=1
